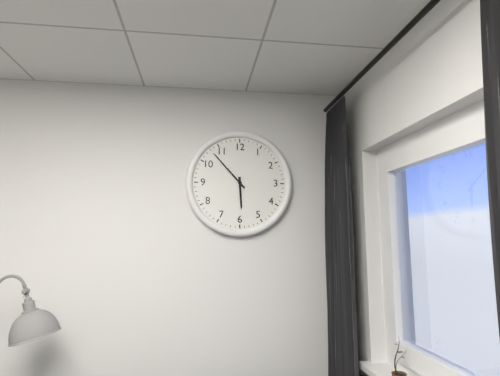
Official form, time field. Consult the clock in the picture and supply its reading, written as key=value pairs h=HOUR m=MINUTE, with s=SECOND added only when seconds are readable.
h=5 m=53
